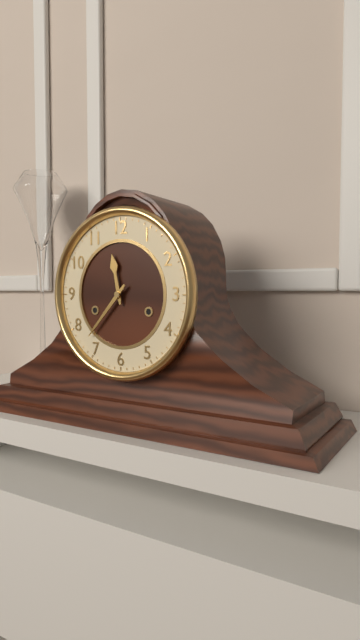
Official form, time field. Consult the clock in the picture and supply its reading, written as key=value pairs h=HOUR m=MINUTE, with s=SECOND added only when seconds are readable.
h=11 m=37
